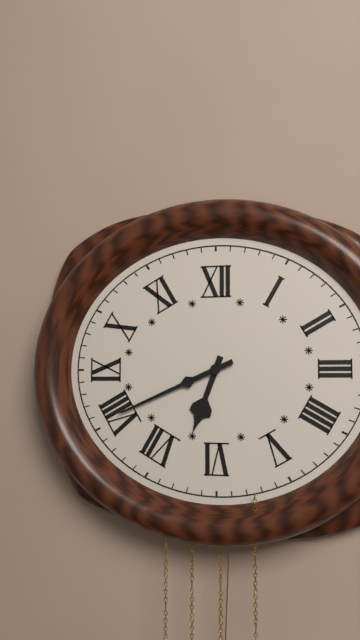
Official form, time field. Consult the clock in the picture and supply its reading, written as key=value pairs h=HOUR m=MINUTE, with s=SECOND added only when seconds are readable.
h=6 m=41
